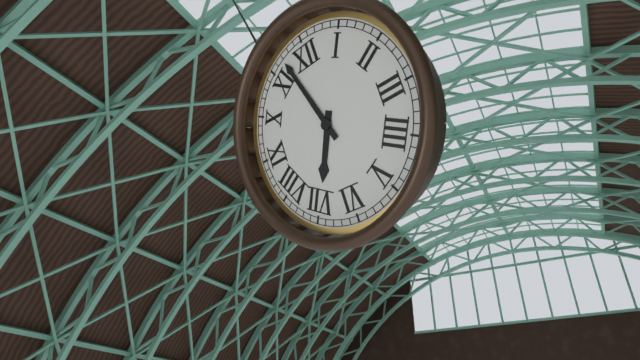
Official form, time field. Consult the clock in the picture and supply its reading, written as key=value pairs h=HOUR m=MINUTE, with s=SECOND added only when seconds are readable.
h=6 m=57
